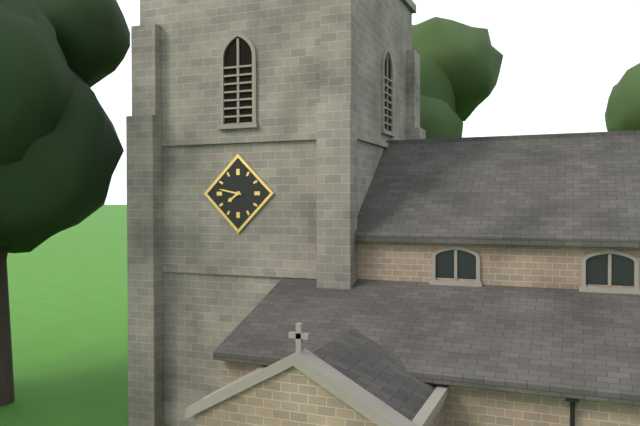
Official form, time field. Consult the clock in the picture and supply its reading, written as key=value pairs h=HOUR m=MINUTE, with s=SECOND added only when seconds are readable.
h=7 m=47
